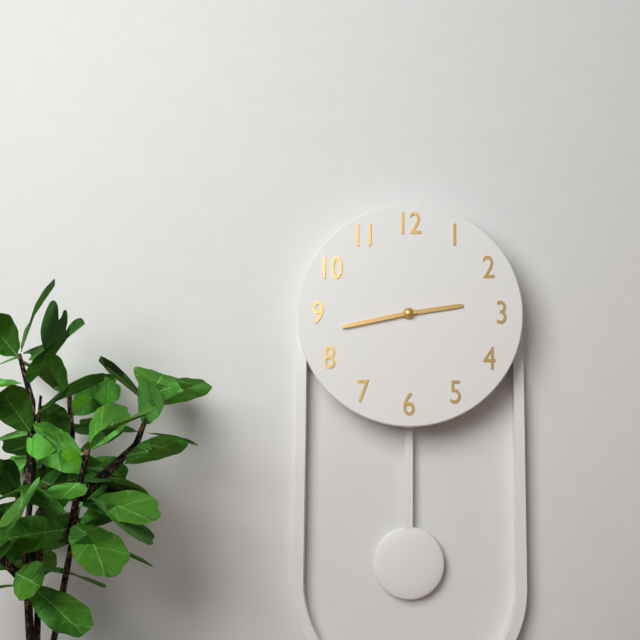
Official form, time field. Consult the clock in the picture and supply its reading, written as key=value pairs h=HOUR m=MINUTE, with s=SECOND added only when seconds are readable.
h=2 m=43
